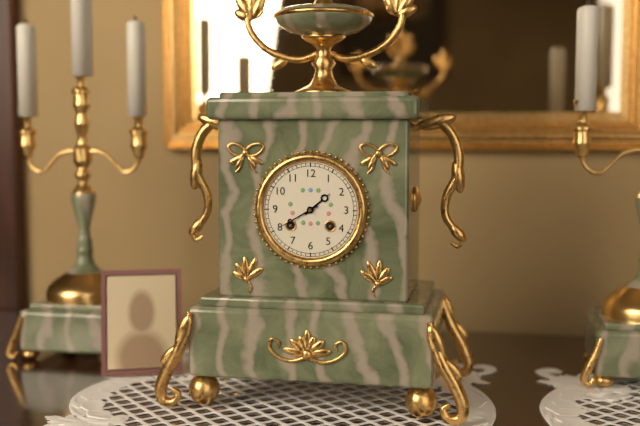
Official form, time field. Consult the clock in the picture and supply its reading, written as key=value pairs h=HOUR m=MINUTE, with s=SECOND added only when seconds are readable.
h=1 m=40
